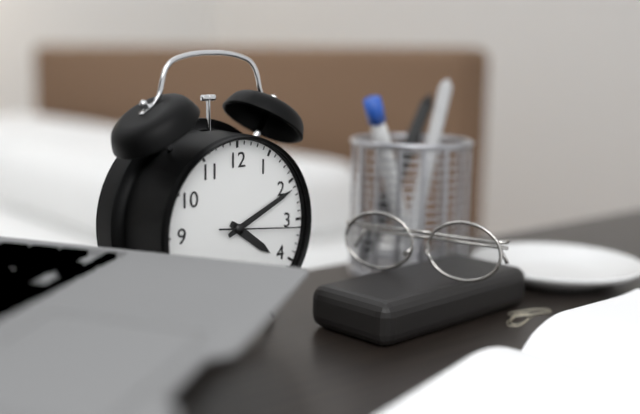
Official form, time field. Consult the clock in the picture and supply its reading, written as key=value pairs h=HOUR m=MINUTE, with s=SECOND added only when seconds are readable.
h=4 m=11 s=16
